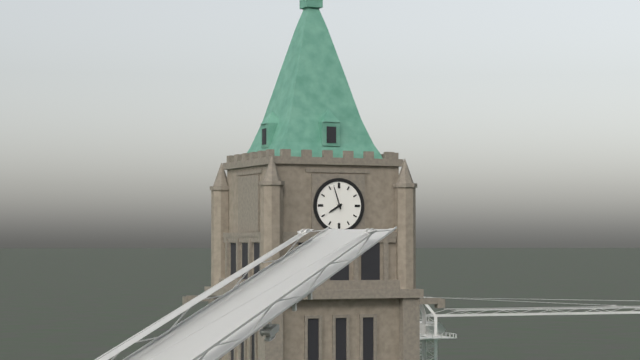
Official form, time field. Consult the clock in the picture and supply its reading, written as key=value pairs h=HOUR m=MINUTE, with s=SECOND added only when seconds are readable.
h=7 m=57
